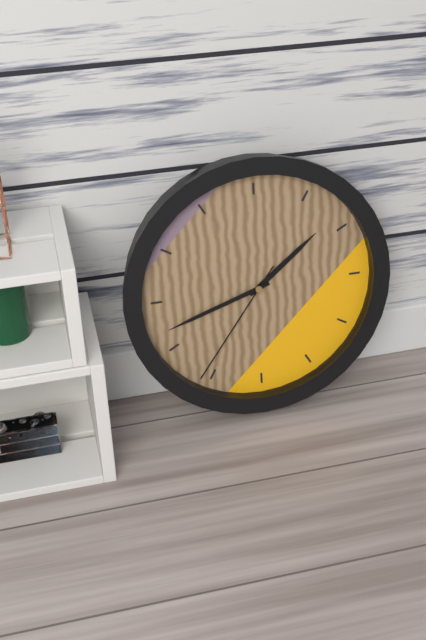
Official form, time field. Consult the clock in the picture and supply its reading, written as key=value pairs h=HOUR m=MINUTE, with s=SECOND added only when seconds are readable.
h=1 m=42 s=36
